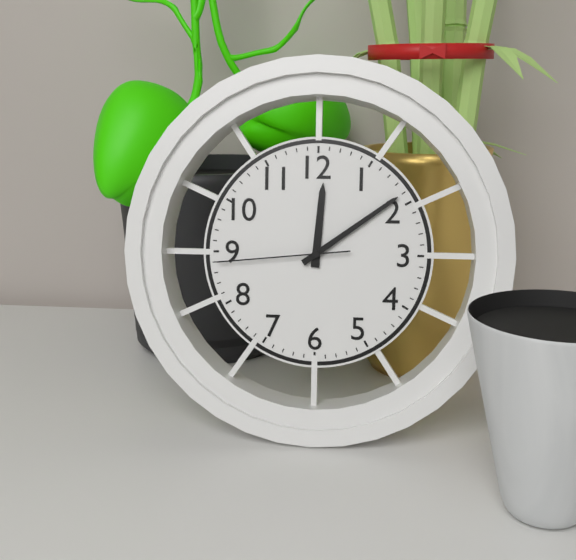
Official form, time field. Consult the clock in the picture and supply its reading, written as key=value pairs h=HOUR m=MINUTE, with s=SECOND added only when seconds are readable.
h=12 m=9 s=44
